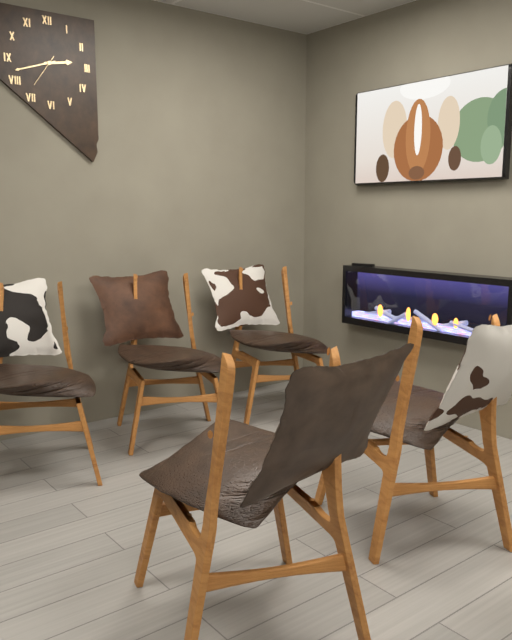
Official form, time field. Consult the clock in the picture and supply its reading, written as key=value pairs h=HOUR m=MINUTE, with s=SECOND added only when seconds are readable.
h=2 m=42
